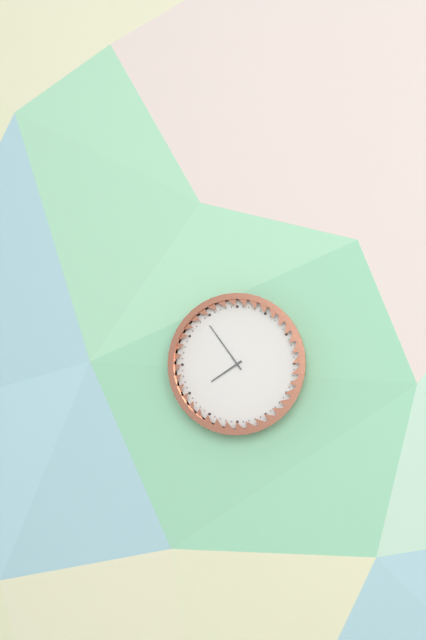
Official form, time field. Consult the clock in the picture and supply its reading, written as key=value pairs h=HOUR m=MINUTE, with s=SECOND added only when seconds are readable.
h=7 m=54
